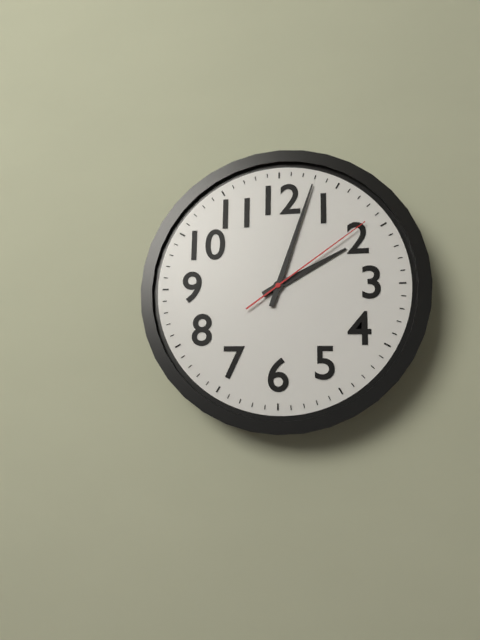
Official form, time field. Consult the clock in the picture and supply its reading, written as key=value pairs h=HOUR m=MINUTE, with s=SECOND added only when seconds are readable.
h=2 m=3 s=9
